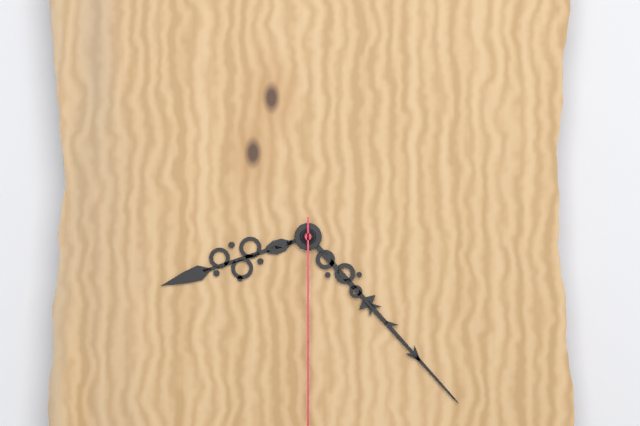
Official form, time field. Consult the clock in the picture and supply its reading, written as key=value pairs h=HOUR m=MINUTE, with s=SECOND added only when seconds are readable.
h=8 m=23
